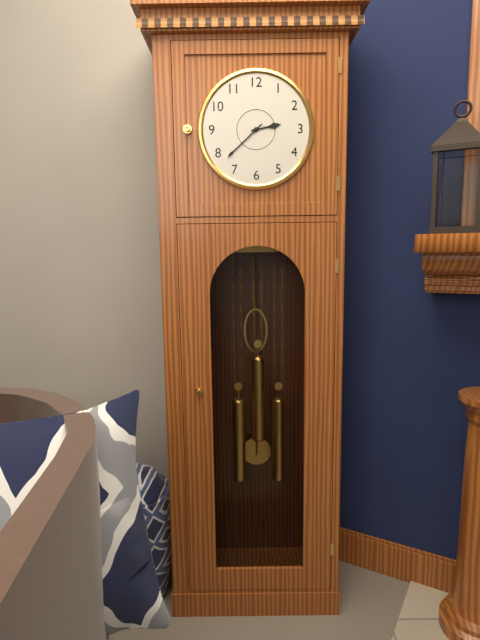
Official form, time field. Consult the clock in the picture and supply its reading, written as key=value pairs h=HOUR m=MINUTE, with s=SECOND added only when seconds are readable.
h=2 m=38
